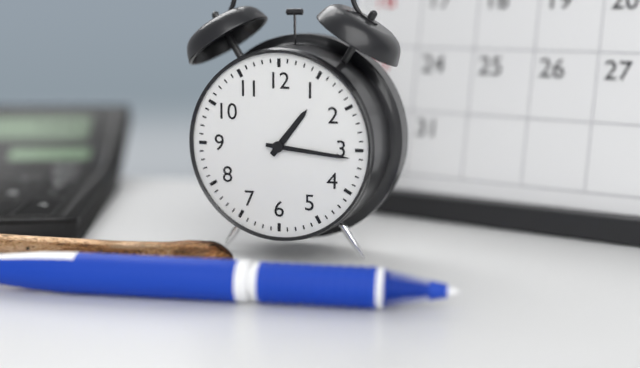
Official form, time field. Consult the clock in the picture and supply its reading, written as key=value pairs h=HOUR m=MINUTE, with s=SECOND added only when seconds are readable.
h=1 m=16
